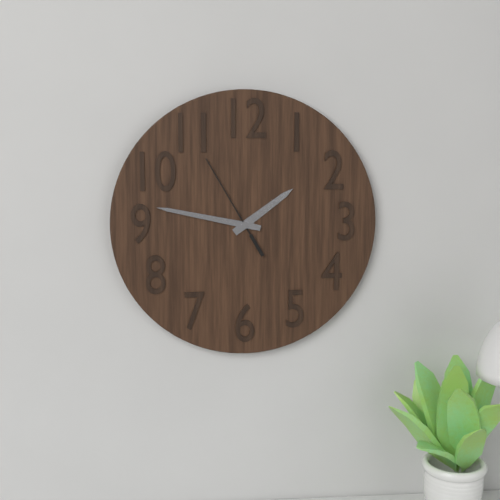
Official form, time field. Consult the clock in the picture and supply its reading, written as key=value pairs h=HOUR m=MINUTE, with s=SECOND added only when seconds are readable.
h=1 m=47 s=55
